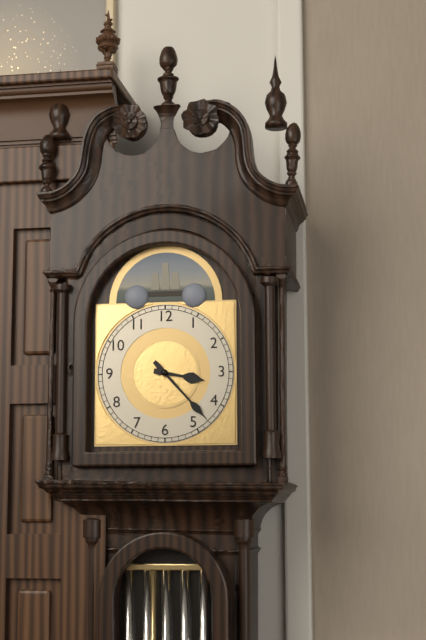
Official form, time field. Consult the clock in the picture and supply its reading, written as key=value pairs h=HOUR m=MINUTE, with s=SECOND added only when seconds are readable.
h=3 m=23
